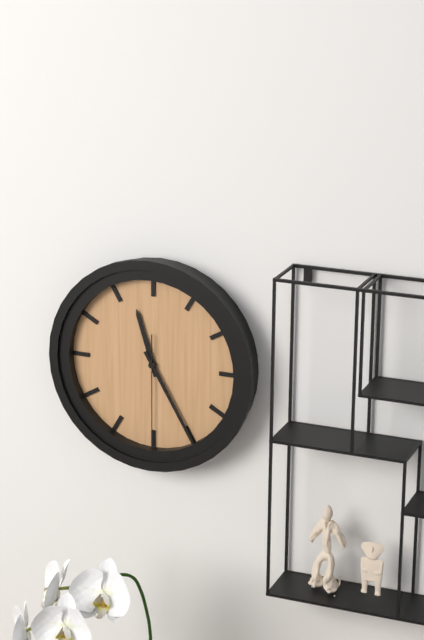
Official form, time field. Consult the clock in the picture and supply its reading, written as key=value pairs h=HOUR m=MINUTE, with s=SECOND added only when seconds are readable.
h=11 m=25 s=30
